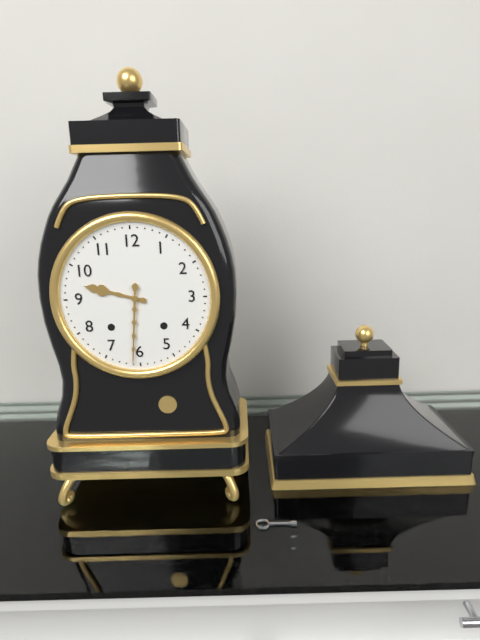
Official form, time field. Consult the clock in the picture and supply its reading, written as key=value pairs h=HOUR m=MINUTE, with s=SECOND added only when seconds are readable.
h=9 m=31
